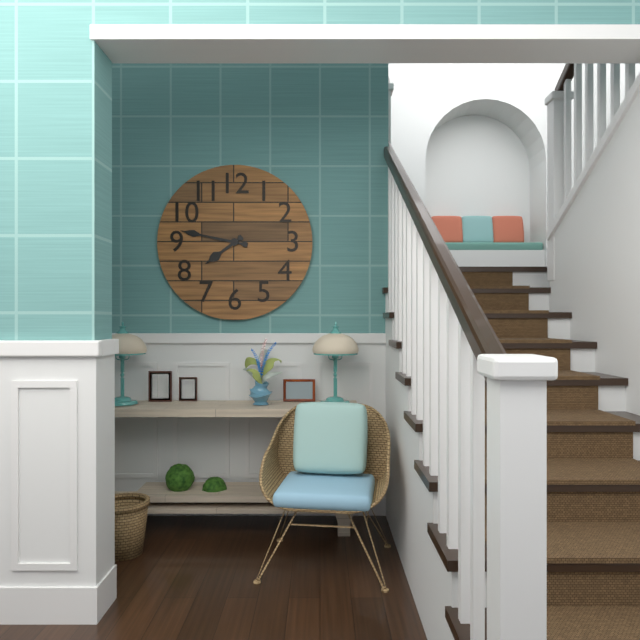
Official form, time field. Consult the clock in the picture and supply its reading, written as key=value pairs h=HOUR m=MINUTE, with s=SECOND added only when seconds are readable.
h=7 m=47
